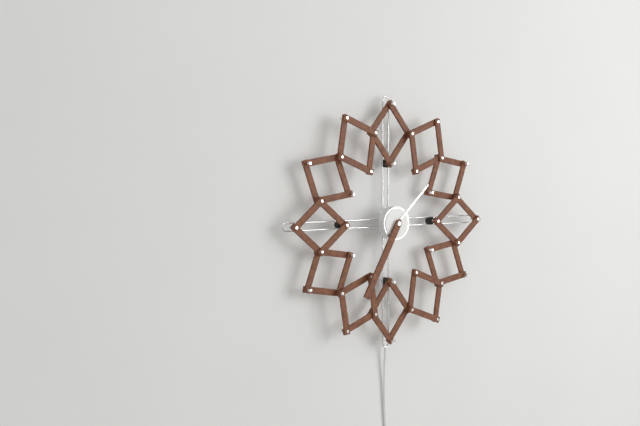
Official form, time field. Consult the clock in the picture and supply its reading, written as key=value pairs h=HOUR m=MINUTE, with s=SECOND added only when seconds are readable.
h=1 m=35
